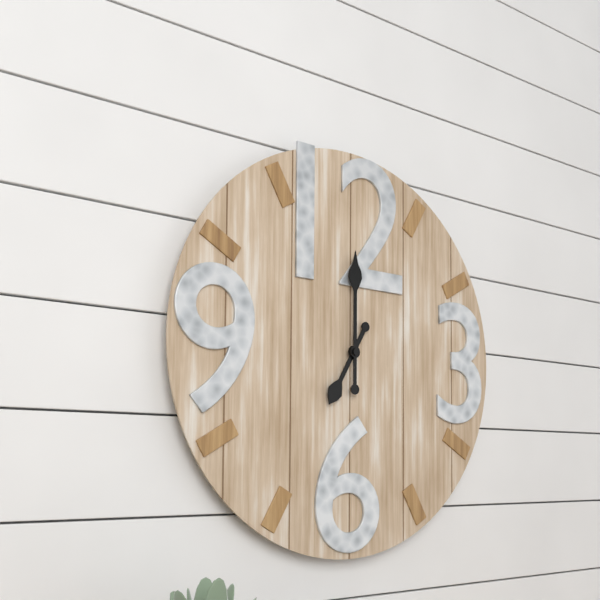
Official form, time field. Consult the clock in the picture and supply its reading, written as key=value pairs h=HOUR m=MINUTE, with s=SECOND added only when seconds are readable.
h=7 m=0
